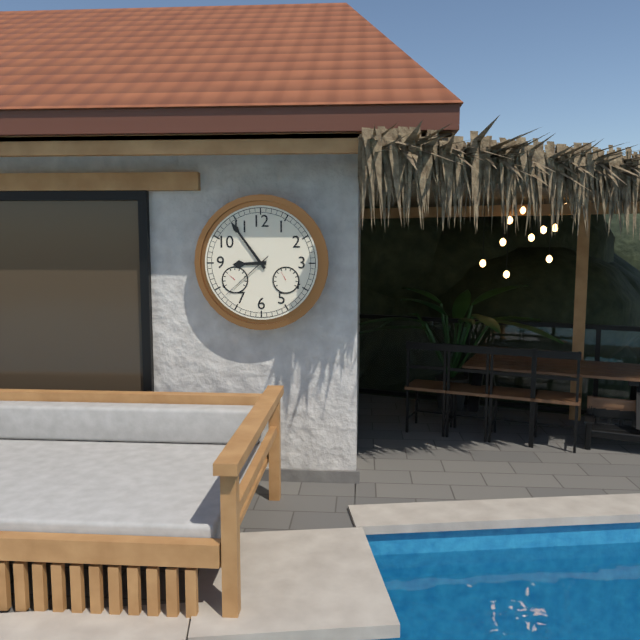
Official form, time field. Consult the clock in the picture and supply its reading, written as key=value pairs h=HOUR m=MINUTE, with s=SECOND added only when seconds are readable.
h=8 m=54 s=38
